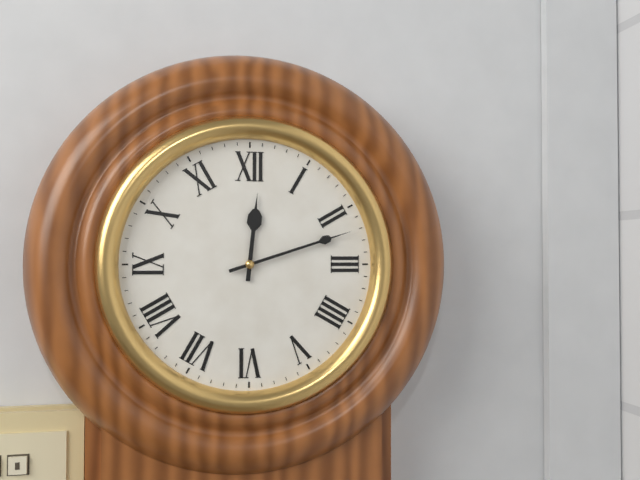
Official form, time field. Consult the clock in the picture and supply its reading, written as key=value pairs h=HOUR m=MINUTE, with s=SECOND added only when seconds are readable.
h=12 m=12
